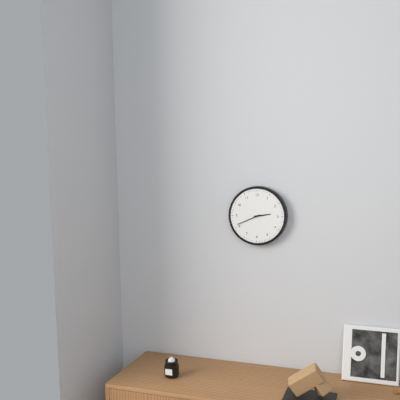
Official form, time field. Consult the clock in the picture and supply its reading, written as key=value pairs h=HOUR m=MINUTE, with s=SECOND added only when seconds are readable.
h=2 m=41
